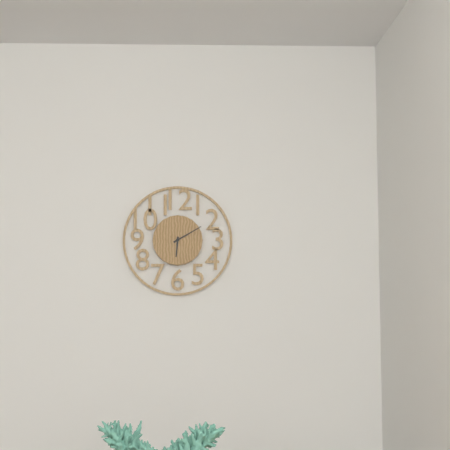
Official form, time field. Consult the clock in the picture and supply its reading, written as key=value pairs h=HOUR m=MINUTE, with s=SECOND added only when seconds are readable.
h=6 m=10
